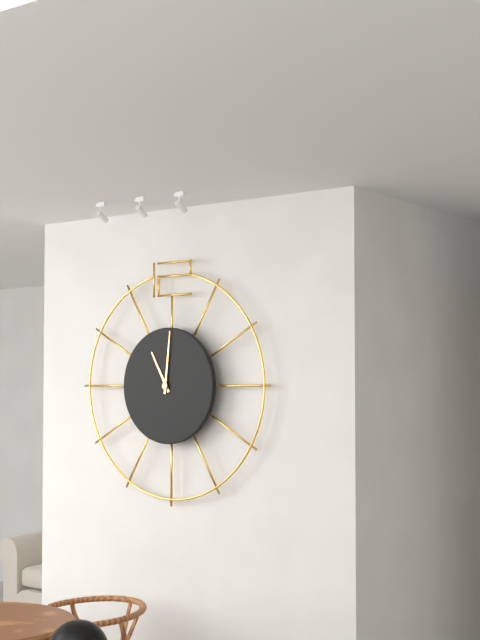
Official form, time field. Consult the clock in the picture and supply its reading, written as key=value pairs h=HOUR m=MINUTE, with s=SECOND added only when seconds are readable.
h=11 m=1
